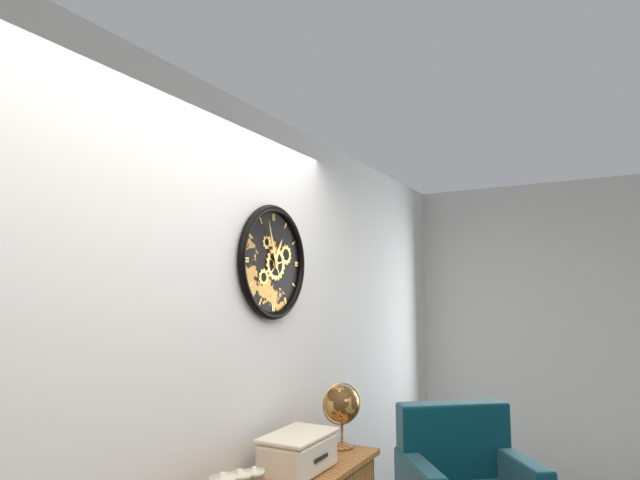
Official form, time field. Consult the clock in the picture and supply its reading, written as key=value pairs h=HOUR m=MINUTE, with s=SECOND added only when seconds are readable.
h=12 m=57
